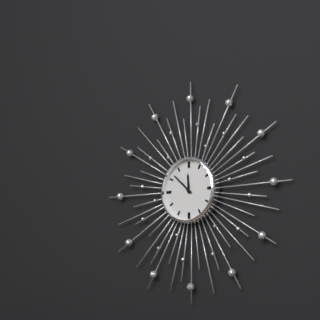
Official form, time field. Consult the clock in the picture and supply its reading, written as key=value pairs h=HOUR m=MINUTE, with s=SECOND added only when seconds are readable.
h=11 m=52
